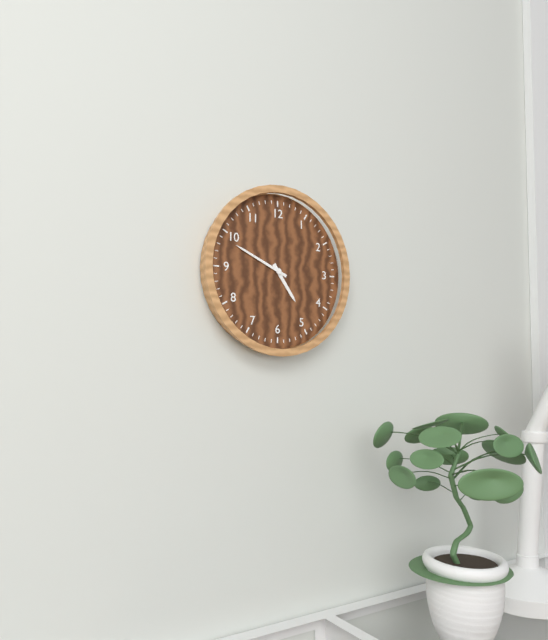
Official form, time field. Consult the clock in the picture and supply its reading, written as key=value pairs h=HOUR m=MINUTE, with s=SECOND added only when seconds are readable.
h=4 m=49
